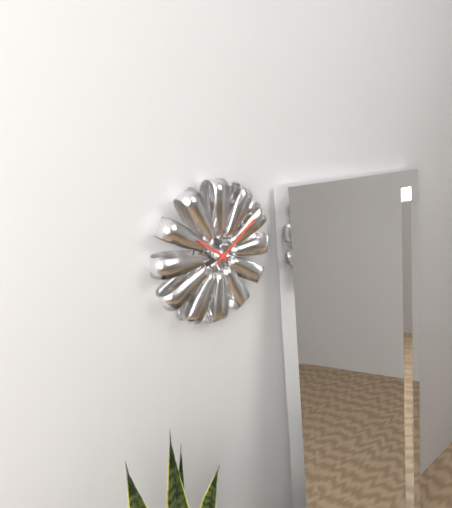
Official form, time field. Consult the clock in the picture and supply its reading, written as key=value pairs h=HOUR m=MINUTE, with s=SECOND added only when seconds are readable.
h=10 m=9
